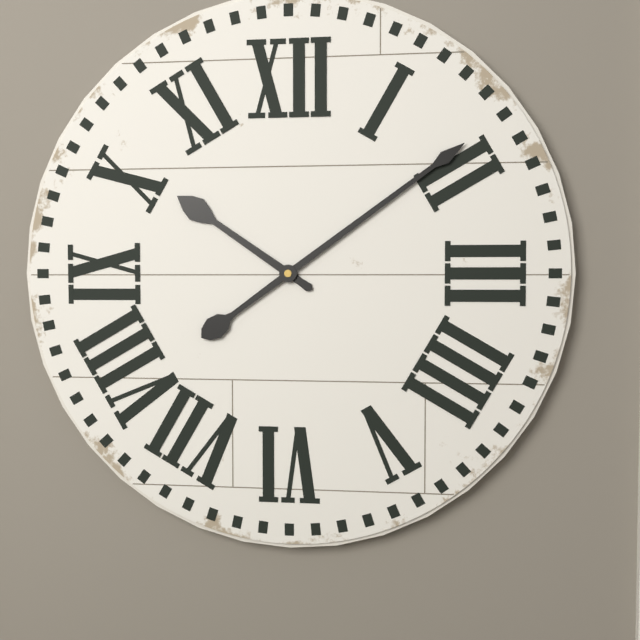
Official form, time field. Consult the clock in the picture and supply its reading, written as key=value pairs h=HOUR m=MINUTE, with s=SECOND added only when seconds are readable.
h=10 m=9
